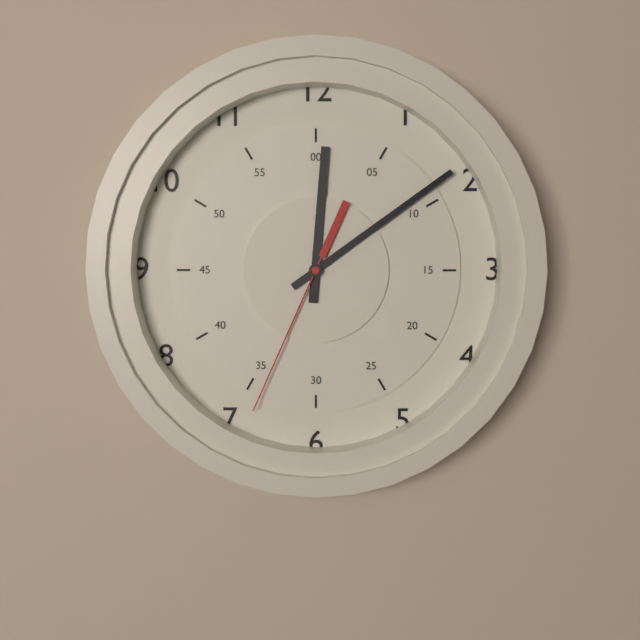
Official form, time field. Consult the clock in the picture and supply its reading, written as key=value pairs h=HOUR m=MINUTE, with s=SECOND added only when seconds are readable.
h=12 m=9 s=34
